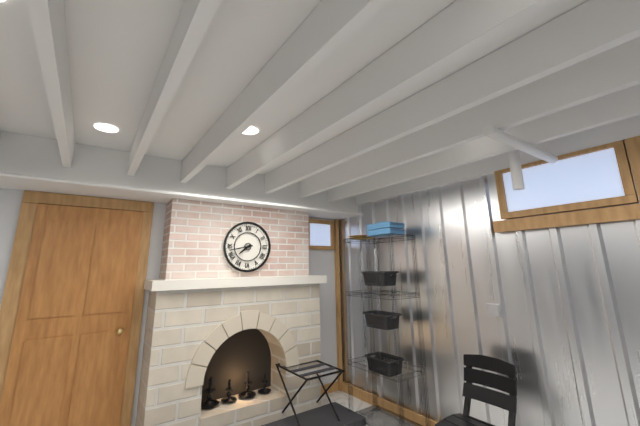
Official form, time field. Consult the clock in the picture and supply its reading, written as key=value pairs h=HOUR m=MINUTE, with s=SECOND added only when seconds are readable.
h=7 m=43
